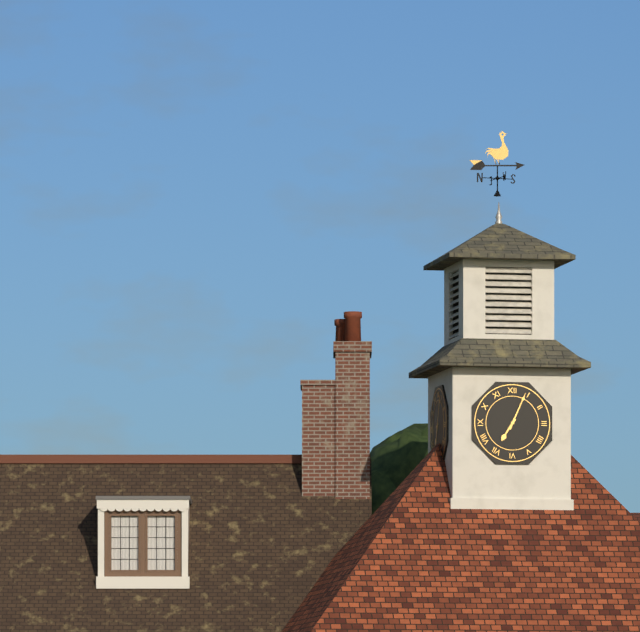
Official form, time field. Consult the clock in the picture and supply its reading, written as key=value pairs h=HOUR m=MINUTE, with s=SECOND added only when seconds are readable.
h=7 m=4
